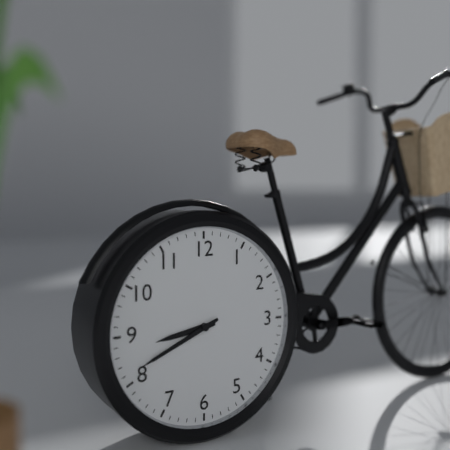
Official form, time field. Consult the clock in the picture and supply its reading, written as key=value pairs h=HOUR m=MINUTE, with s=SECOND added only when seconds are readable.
h=8 m=41
